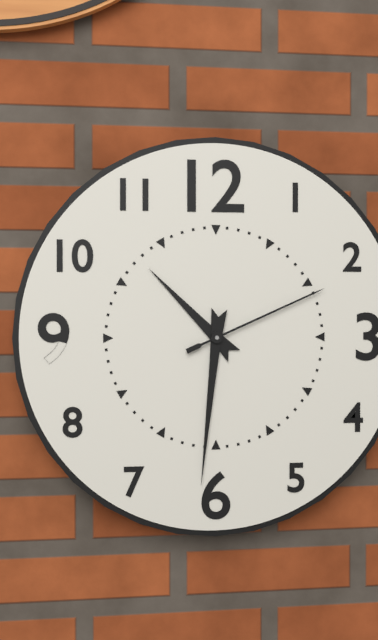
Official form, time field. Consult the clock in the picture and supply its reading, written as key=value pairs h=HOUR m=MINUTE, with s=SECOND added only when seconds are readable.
h=10 m=31 s=11
